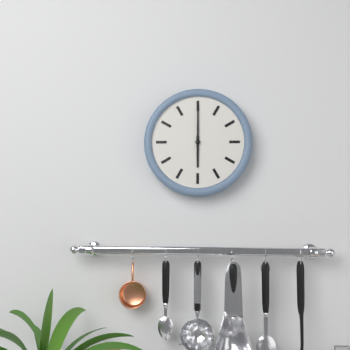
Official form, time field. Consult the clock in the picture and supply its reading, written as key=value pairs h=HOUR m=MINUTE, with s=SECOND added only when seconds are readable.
h=6 m=0
